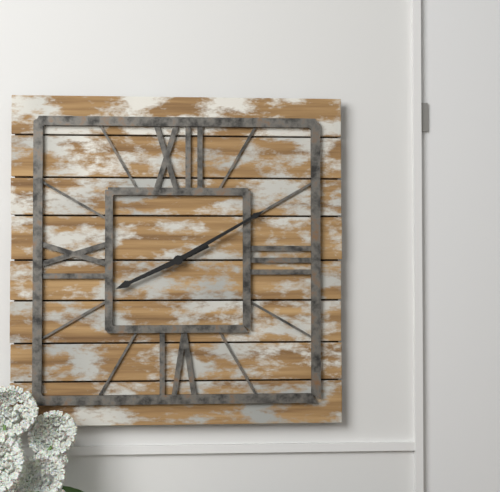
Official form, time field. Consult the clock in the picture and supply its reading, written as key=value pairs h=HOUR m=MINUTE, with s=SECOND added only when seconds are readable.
h=8 m=10
